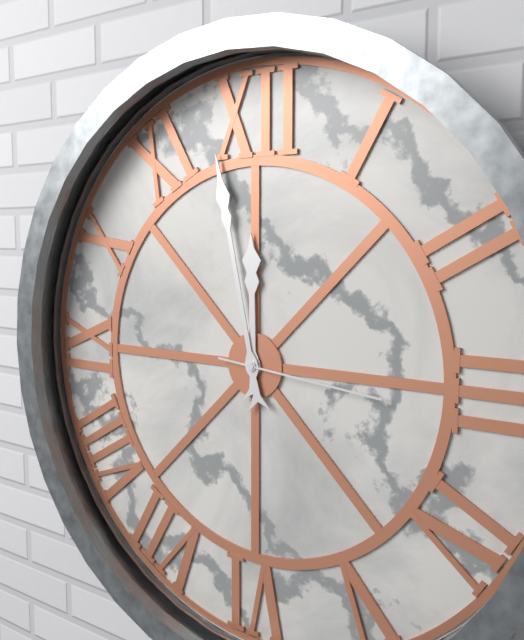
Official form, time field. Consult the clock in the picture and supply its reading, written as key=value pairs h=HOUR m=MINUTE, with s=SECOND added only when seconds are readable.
h=11 m=58 s=16
